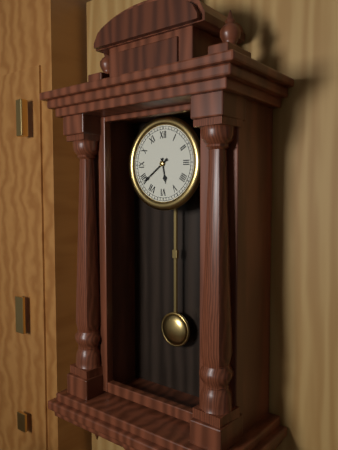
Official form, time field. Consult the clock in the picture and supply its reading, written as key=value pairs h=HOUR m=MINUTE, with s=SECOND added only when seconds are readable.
h=5 m=39
